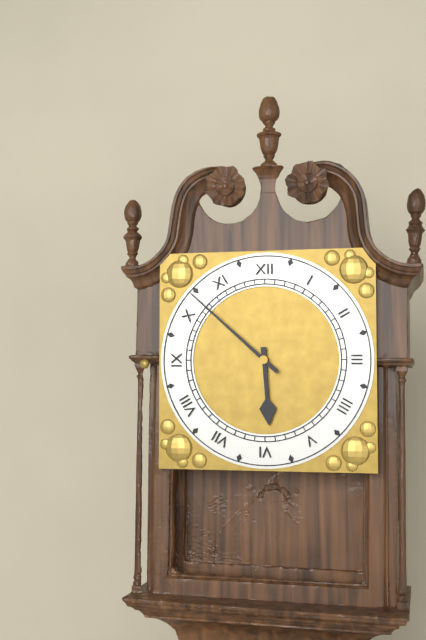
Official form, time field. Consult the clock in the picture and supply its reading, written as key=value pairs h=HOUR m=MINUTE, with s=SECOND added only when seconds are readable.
h=5 m=52
